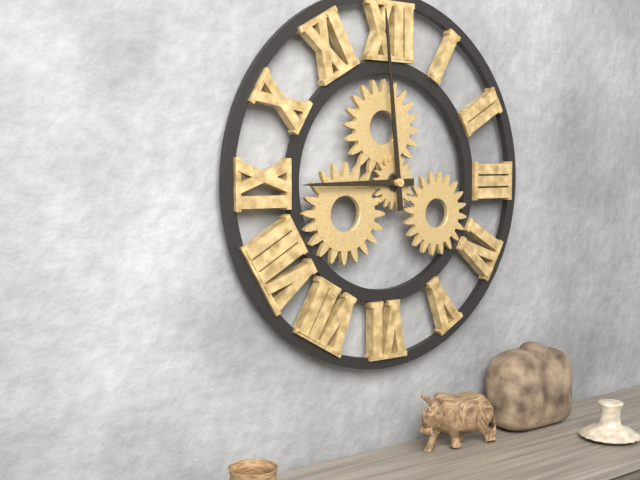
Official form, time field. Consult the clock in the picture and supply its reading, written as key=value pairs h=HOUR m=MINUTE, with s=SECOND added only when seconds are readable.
h=8 m=59
